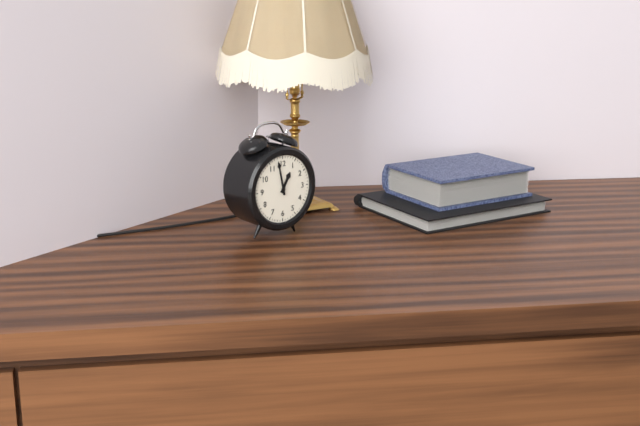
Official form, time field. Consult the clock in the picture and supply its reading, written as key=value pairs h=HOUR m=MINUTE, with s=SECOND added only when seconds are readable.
h=12 m=58
